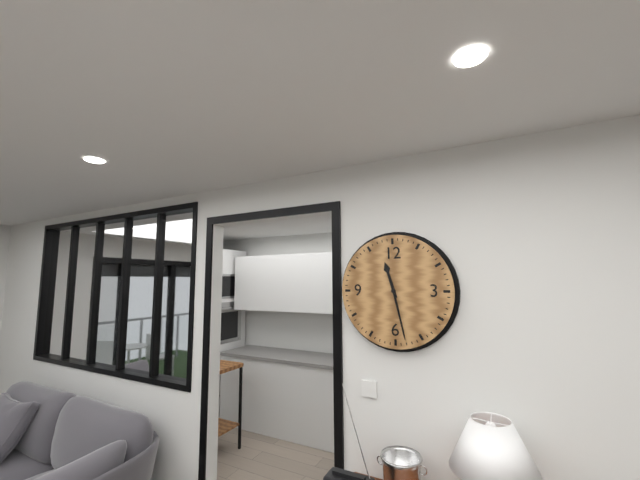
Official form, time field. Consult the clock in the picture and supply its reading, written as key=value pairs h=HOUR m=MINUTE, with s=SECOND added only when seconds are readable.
h=11 m=28
